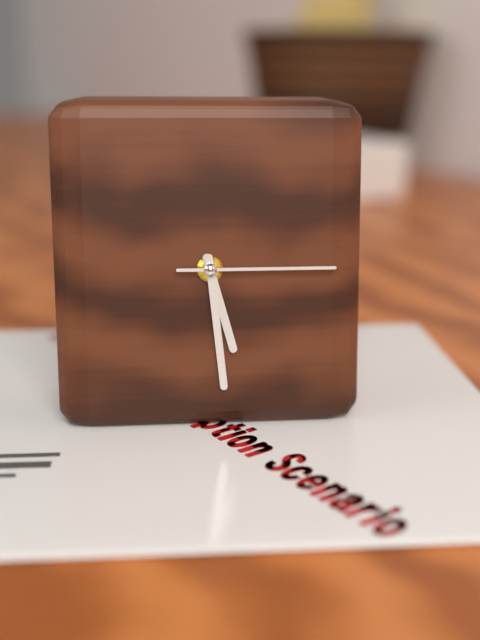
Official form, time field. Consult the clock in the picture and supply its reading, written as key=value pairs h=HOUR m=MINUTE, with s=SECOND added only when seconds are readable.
h=5 m=29 s=15
